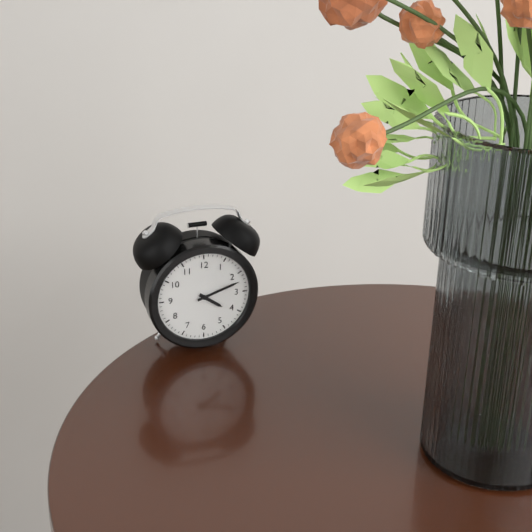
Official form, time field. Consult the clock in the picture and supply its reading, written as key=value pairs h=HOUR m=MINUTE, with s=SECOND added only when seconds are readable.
h=4 m=12
